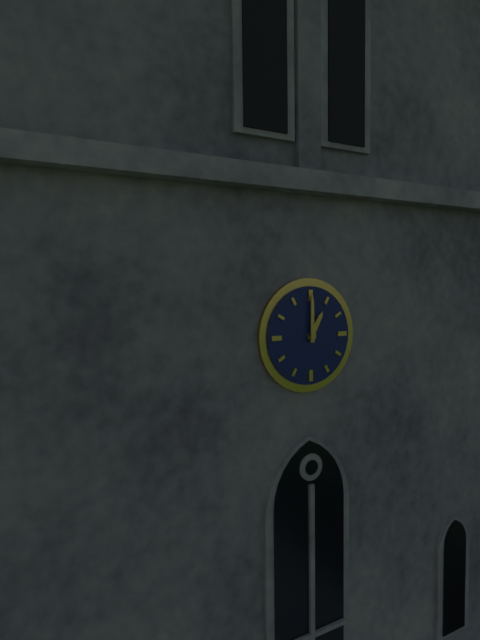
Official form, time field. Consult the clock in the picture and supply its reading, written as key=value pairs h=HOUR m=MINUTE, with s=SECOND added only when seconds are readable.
h=1 m=0
